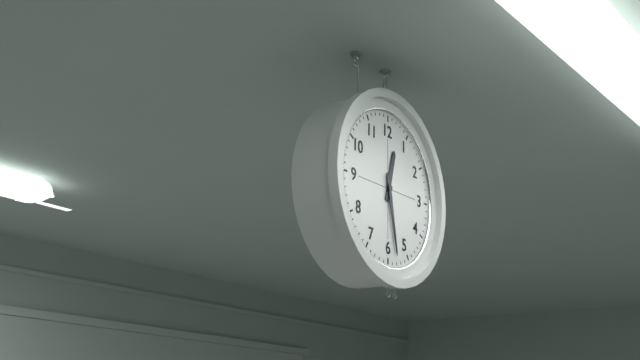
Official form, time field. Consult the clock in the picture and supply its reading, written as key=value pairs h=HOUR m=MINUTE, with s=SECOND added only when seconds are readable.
h=12 m=28
